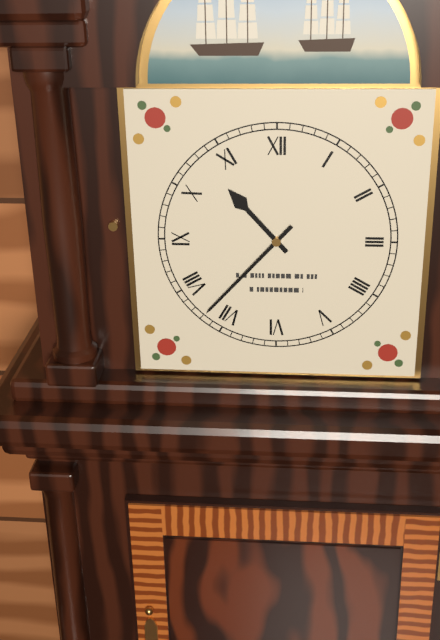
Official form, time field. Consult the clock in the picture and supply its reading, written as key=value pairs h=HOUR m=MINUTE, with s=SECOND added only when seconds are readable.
h=10 m=37
